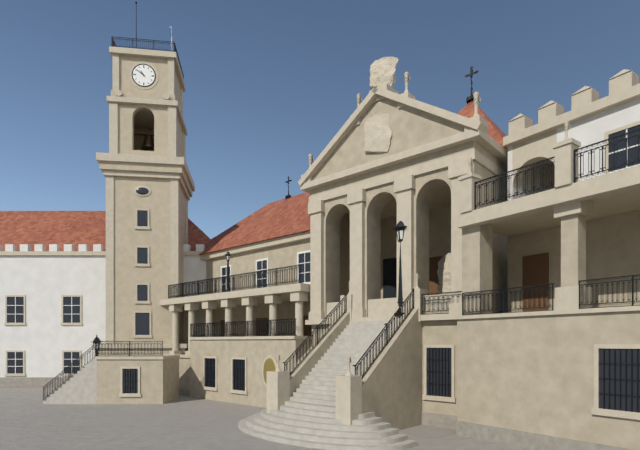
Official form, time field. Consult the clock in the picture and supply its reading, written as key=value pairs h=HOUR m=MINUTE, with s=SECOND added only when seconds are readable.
h=10 m=51
